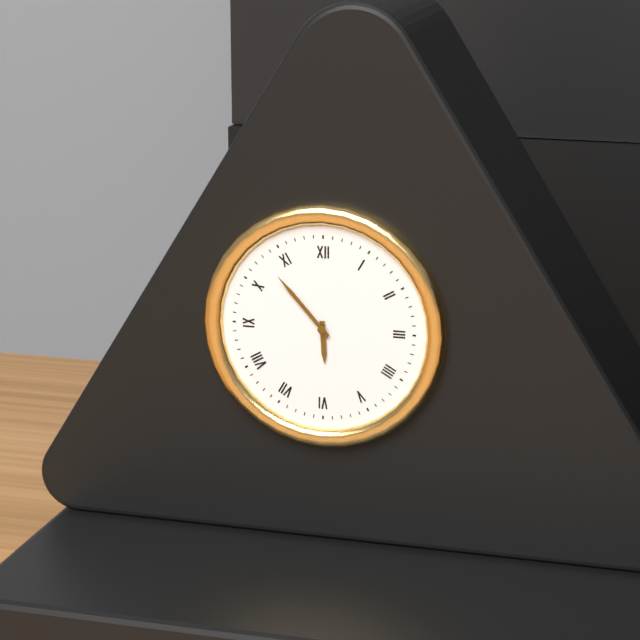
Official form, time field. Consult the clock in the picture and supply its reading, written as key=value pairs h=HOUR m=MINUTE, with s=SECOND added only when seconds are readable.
h=5 m=53
